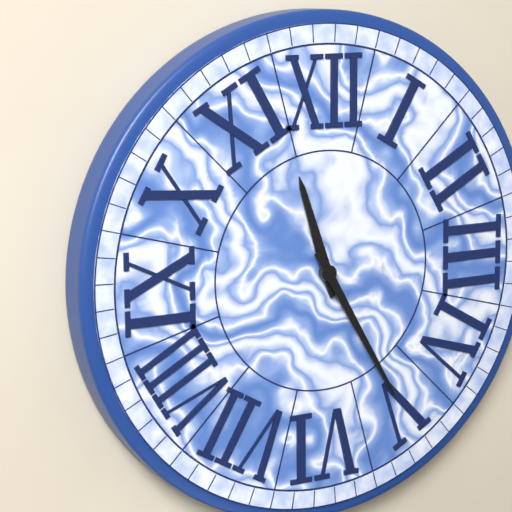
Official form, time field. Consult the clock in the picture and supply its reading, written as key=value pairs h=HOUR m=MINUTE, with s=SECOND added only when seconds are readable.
h=11 m=25
